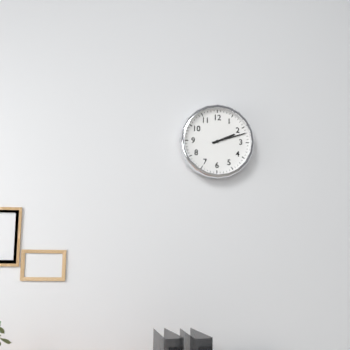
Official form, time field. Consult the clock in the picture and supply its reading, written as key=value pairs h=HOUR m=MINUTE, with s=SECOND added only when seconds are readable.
h=2 m=12
